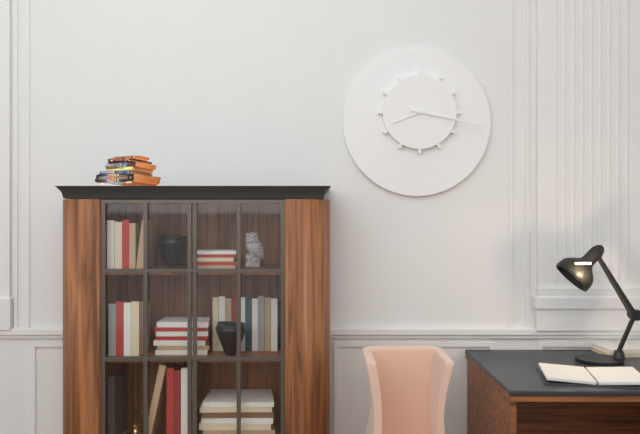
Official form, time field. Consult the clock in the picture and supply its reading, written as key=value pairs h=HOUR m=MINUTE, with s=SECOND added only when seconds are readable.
h=8 m=17
